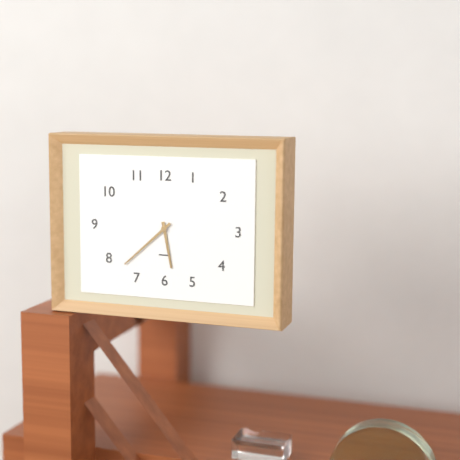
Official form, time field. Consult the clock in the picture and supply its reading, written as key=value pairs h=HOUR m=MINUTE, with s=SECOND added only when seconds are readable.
h=5 m=38
